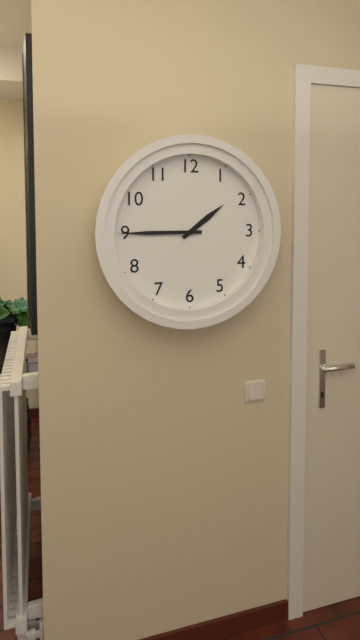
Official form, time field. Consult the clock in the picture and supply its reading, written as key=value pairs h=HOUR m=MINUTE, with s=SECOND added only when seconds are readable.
h=1 m=45
